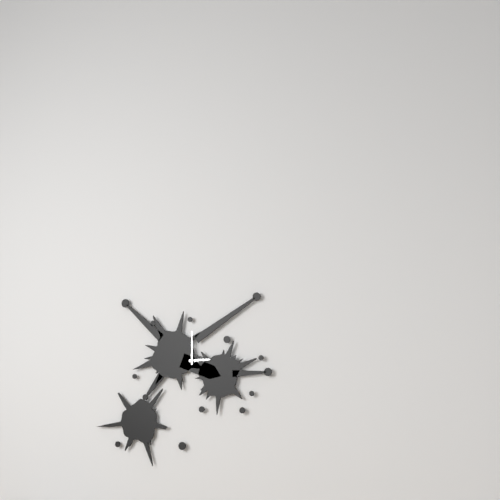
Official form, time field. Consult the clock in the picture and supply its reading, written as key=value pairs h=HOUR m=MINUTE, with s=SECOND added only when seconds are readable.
h=3 m=0
